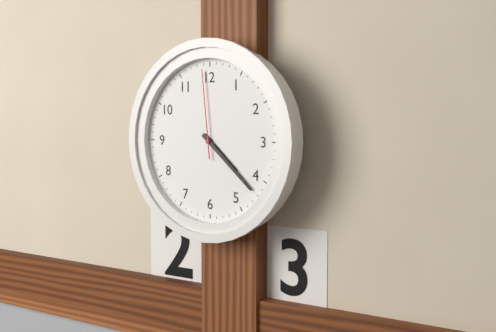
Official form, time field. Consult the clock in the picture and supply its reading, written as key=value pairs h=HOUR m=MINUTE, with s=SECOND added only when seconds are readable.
h=4 m=22 s=59
